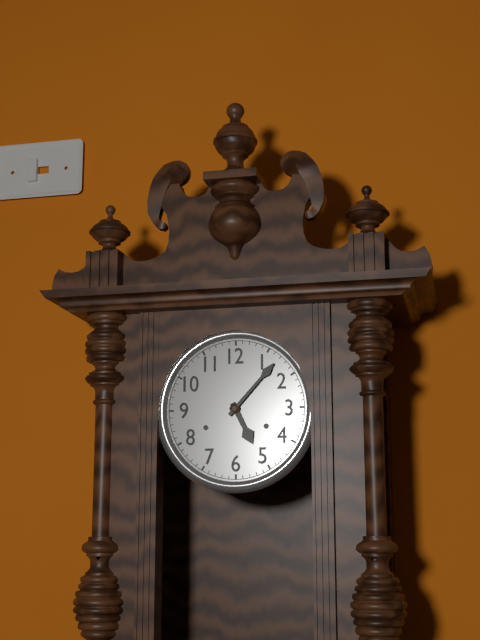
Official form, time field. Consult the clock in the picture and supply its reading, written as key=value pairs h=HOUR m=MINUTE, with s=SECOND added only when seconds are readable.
h=5 m=7
